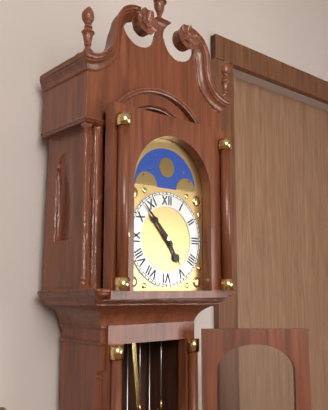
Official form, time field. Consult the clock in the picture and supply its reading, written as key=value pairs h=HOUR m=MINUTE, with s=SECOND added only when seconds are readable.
h=4 m=53
